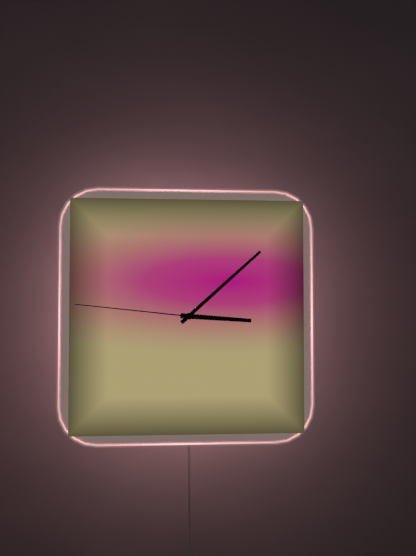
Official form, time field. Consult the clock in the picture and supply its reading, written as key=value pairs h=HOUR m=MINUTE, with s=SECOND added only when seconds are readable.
h=3 m=8 s=46
